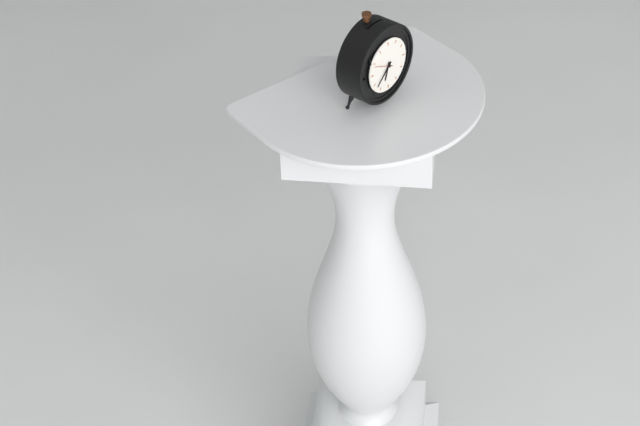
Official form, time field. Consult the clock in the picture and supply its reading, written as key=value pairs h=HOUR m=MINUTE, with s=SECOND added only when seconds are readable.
h=6 m=38
